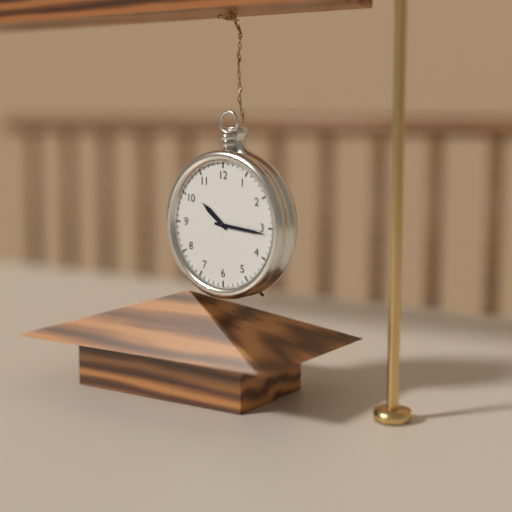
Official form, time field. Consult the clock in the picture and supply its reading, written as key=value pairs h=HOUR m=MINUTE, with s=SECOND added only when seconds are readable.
h=10 m=16
